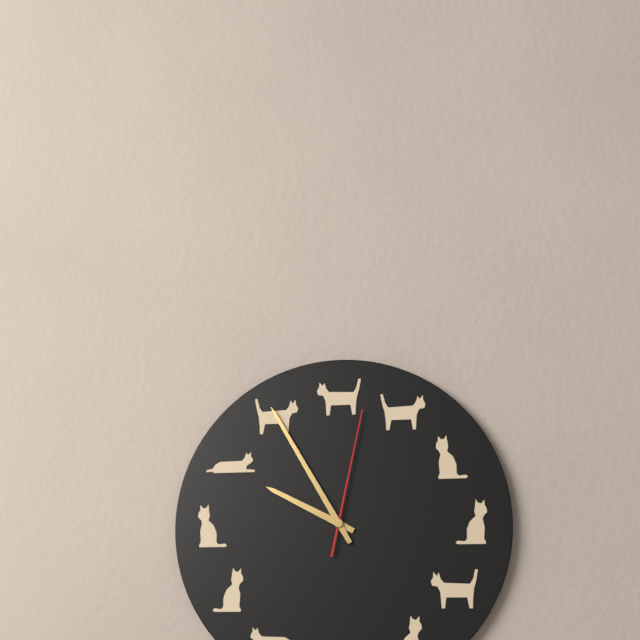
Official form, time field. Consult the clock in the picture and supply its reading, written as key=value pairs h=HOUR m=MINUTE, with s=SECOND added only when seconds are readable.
h=9 m=55 s=2
